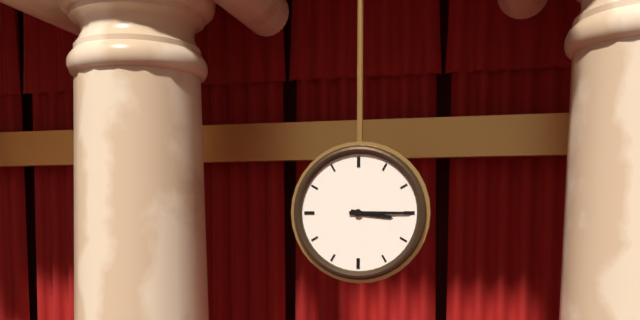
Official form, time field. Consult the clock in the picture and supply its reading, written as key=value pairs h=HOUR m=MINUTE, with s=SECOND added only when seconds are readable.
h=3 m=15
